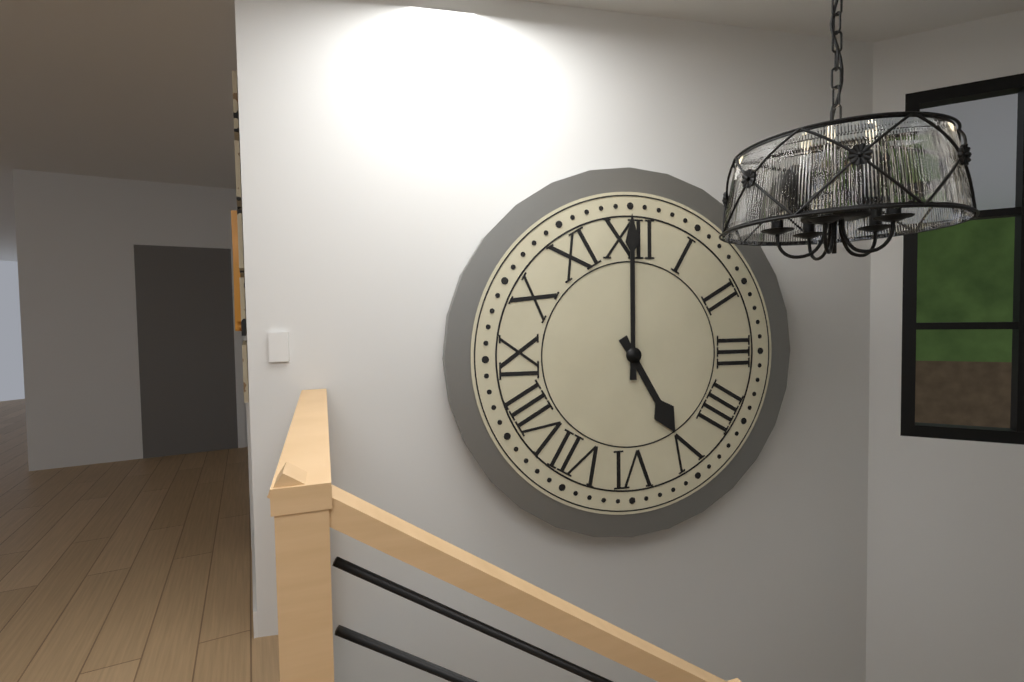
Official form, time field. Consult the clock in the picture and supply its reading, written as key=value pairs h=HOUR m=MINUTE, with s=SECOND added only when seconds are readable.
h=5 m=0
